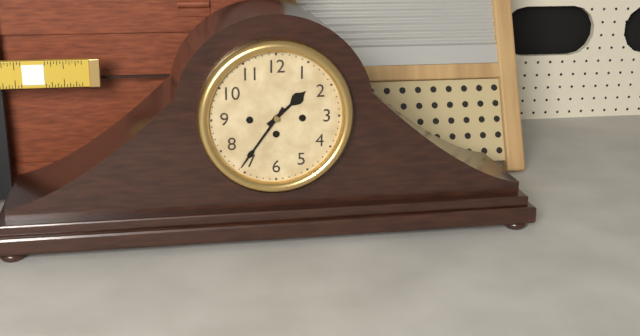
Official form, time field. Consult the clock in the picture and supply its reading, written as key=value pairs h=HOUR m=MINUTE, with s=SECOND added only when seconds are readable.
h=1 m=36
